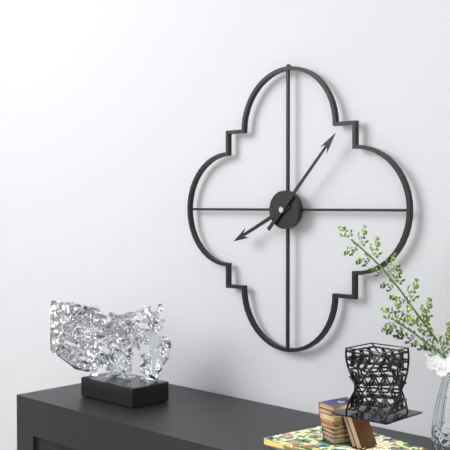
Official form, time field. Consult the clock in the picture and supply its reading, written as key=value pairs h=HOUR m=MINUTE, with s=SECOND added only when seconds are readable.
h=8 m=7
